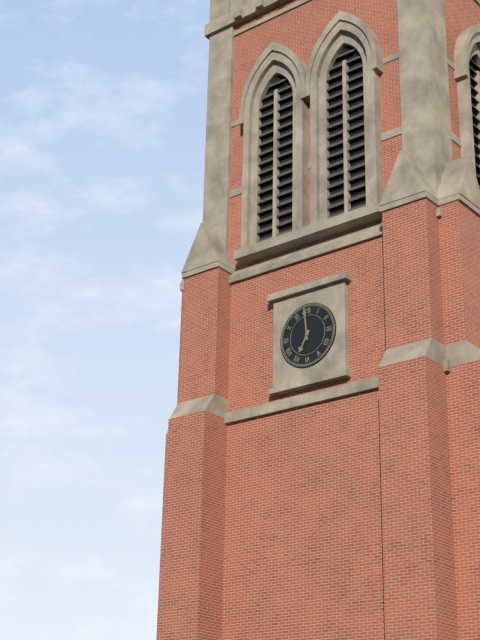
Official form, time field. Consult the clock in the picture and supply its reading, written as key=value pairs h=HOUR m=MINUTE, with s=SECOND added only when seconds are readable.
h=6 m=59
